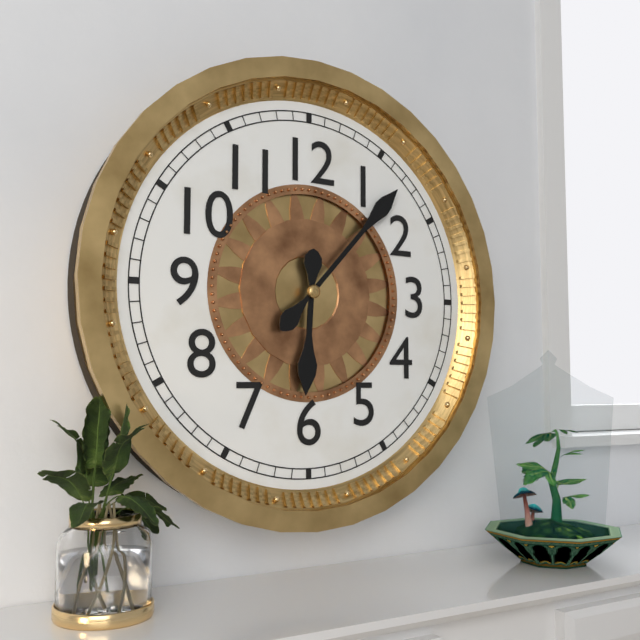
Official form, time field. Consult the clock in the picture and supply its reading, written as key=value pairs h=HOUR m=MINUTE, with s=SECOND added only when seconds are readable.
h=6 m=7
